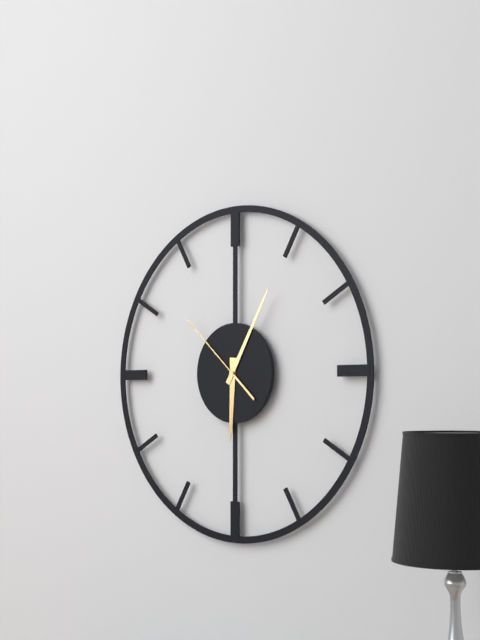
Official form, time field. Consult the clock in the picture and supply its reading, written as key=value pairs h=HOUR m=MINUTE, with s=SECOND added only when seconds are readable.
h=6 m=5 s=52
